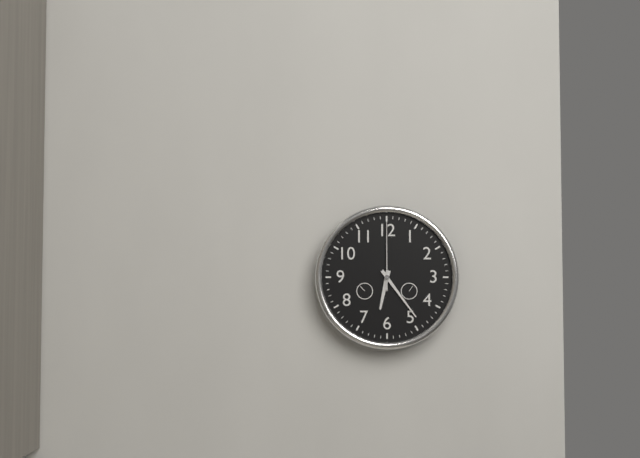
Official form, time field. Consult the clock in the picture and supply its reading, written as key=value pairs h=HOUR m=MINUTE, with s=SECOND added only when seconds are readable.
h=6 m=24 s=0
